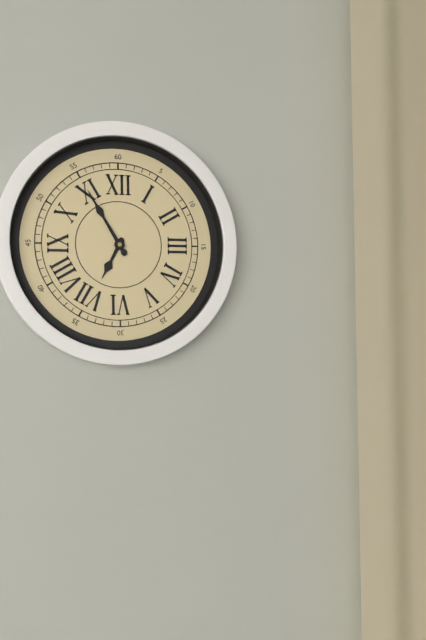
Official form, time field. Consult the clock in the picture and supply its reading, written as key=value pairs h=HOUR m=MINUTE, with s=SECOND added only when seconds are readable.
h=6 m=55
